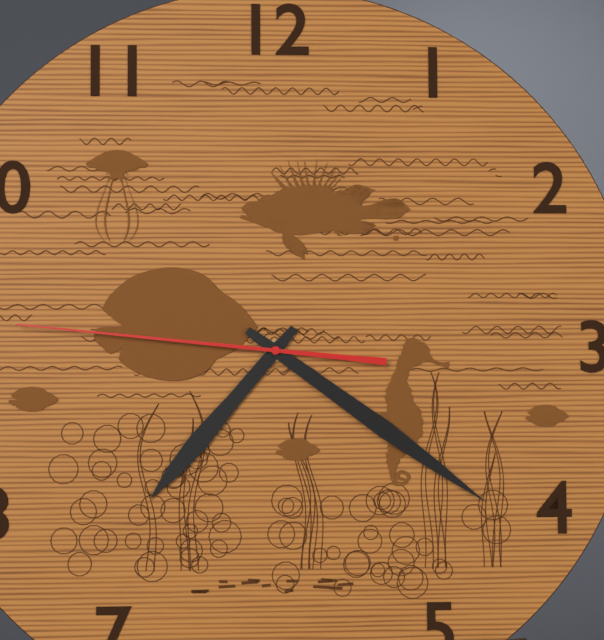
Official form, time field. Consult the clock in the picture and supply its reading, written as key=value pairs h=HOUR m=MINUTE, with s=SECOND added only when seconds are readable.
h=7 m=21 s=46
